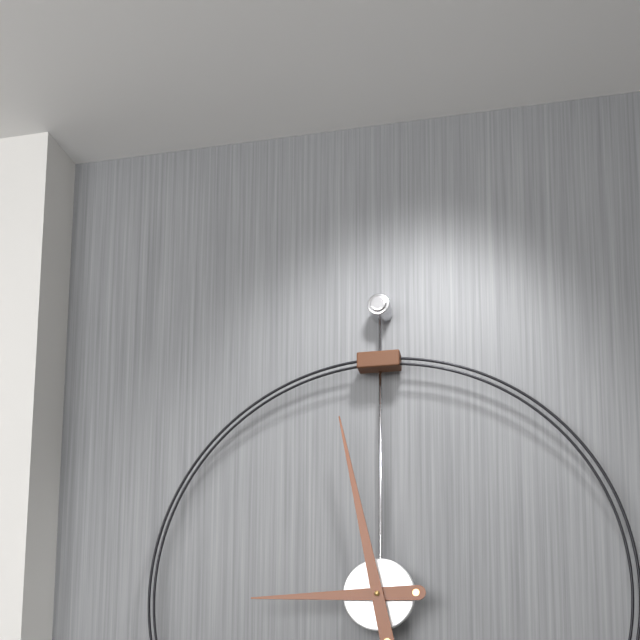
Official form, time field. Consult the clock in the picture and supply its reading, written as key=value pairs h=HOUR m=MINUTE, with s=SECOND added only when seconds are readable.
h=8 m=58
